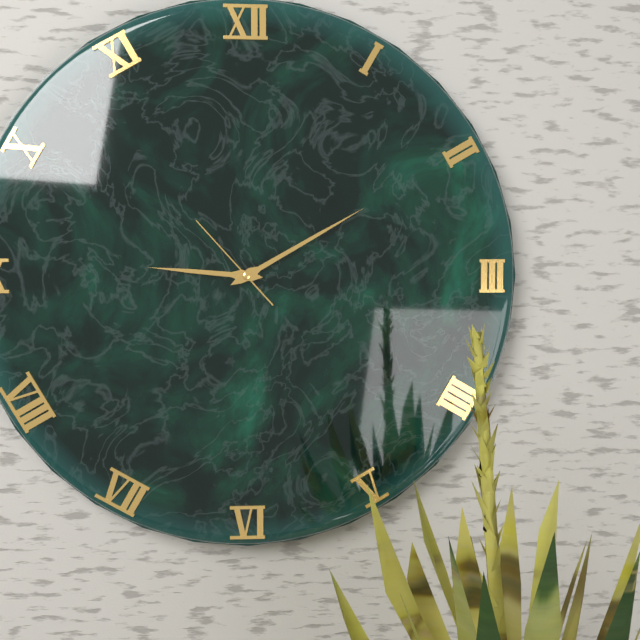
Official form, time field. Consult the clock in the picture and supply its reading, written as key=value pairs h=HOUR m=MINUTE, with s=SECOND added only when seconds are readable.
h=9 m=10 s=53
